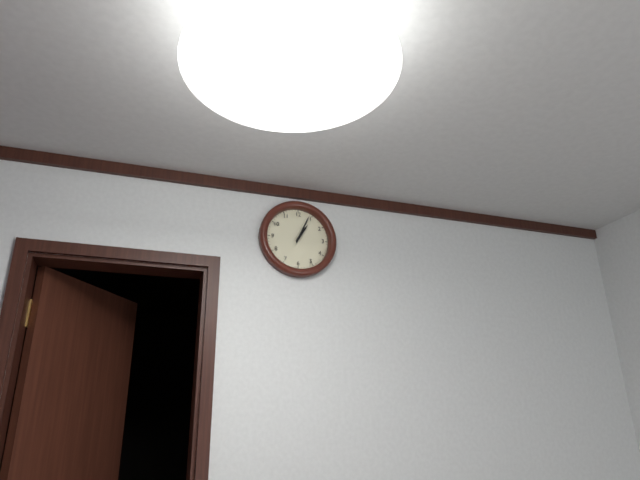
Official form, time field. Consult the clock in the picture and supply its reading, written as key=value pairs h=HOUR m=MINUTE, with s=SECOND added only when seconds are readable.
h=1 m=4
